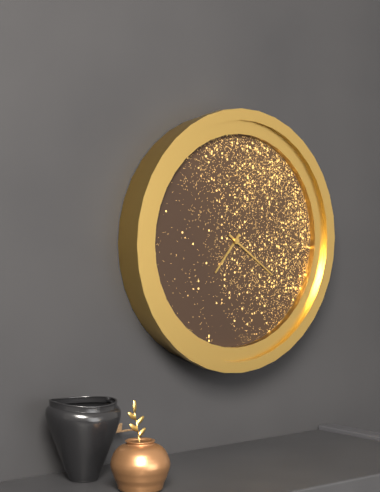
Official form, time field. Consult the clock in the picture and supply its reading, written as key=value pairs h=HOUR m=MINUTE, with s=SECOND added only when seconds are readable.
h=7 m=21
